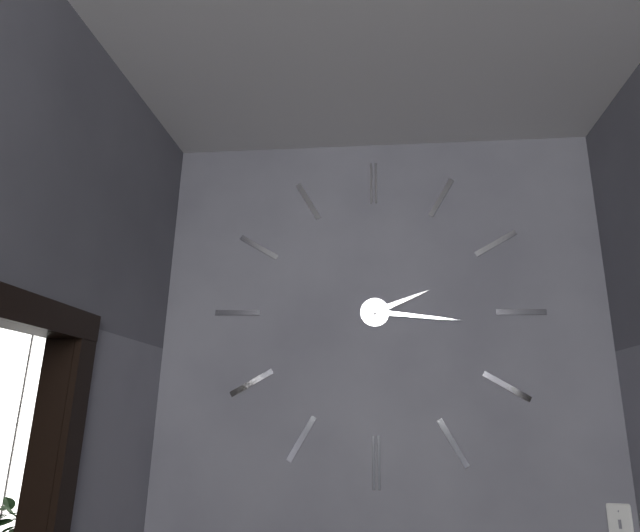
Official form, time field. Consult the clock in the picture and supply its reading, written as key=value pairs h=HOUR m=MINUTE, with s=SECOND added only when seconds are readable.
h=2 m=16
